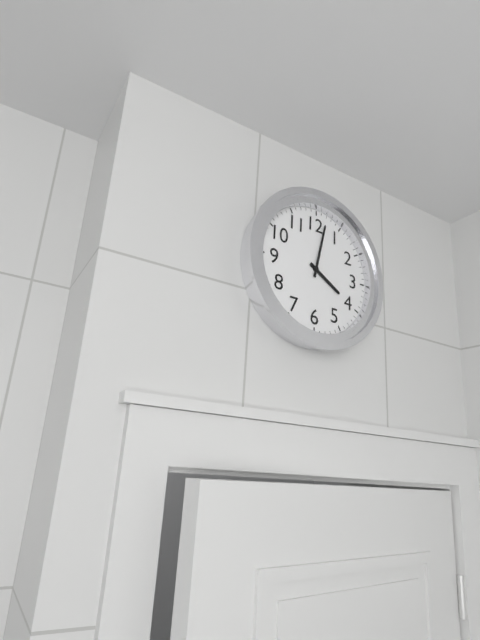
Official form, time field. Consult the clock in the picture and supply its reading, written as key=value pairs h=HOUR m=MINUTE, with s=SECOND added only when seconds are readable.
h=4 m=2
